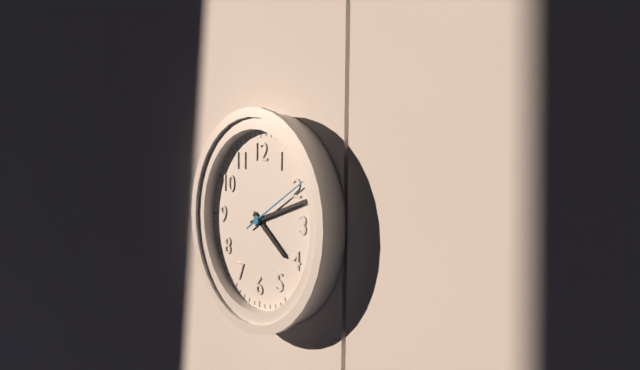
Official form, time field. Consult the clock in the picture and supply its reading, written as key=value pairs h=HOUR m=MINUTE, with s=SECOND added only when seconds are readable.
h=4 m=12 s=10
